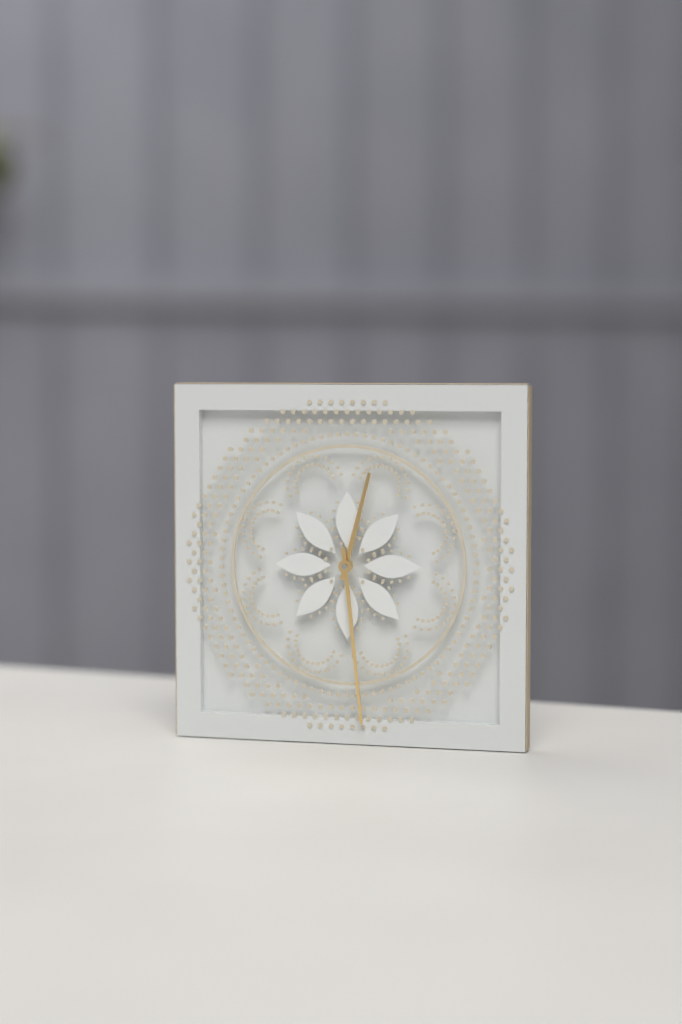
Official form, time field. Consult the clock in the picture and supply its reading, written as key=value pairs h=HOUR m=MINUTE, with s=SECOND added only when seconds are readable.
h=12 m=29
